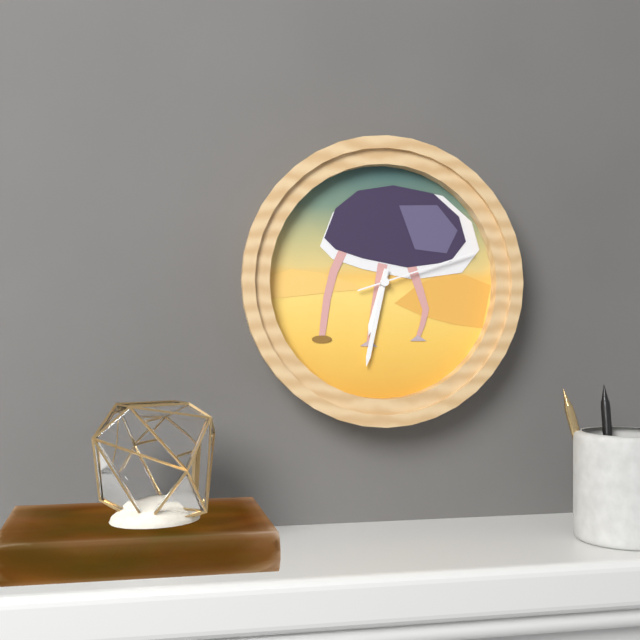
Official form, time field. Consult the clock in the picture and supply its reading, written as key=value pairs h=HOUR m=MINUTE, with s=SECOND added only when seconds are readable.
h=6 m=32 s=12
